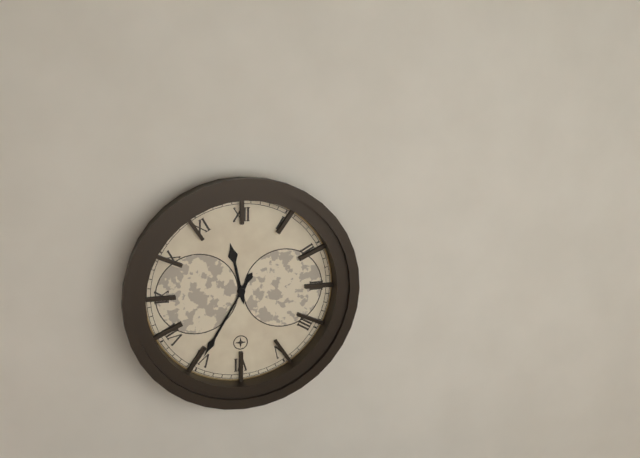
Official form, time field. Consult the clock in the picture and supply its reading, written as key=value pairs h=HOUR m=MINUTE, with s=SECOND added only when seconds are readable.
h=11 m=35
